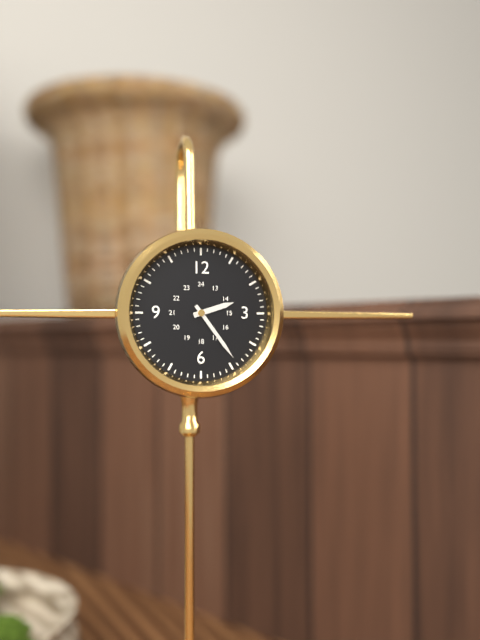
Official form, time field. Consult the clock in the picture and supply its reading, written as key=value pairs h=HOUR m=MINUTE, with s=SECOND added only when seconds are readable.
h=2 m=24
